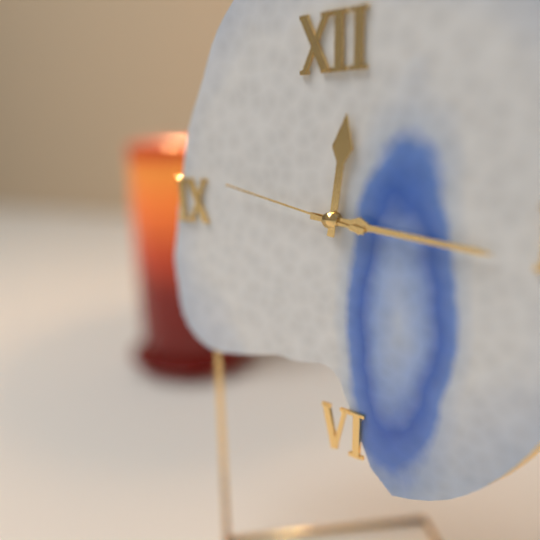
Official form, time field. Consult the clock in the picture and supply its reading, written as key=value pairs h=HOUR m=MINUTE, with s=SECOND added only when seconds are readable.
h=12 m=16 s=47
